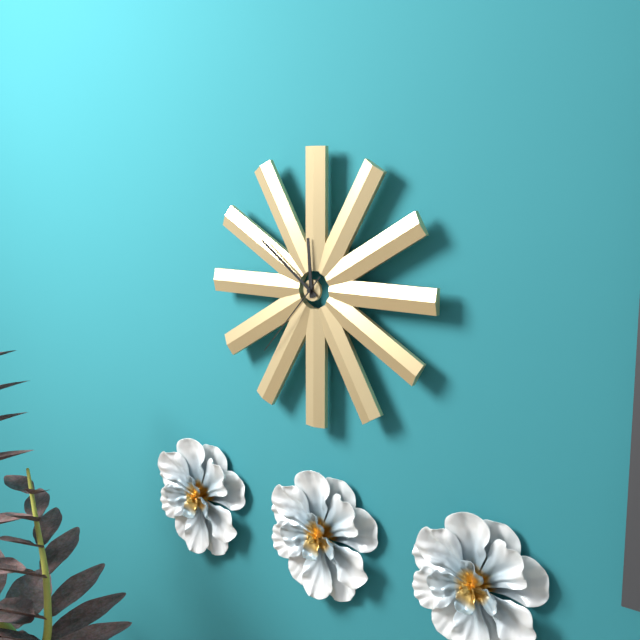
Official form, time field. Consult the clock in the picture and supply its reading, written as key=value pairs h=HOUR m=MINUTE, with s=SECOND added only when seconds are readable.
h=11 m=51 s=37
